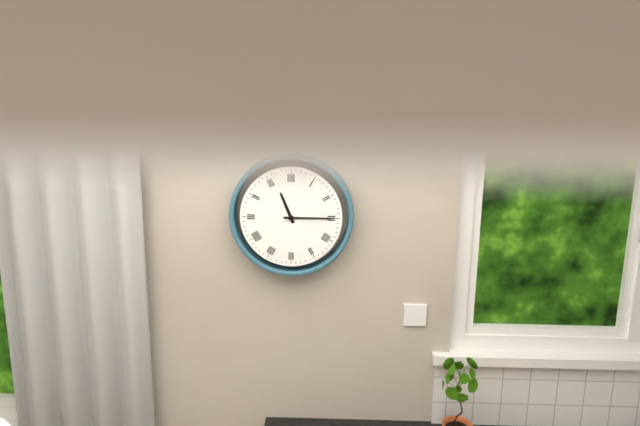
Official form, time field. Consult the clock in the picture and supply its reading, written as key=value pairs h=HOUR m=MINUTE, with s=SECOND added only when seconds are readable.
h=11 m=15
